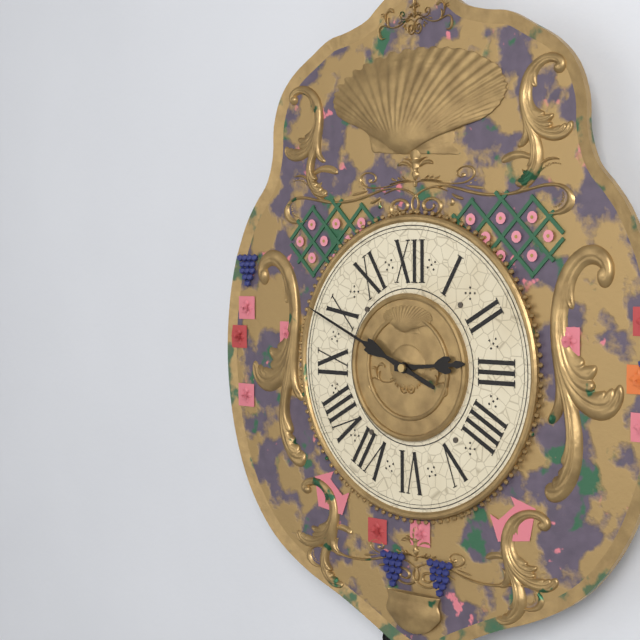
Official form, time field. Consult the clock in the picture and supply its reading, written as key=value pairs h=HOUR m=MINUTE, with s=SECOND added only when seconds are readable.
h=2 m=49
